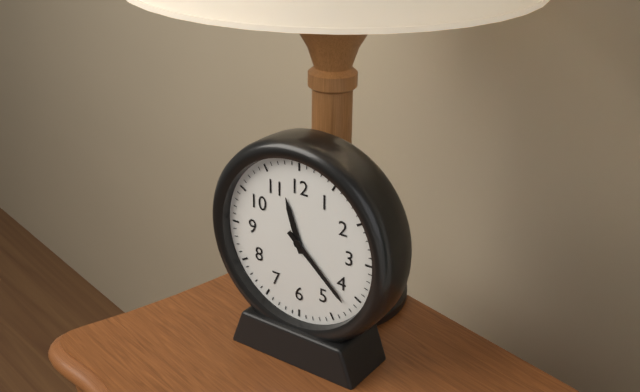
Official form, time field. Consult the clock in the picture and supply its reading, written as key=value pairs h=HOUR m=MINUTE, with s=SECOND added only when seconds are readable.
h=11 m=22
